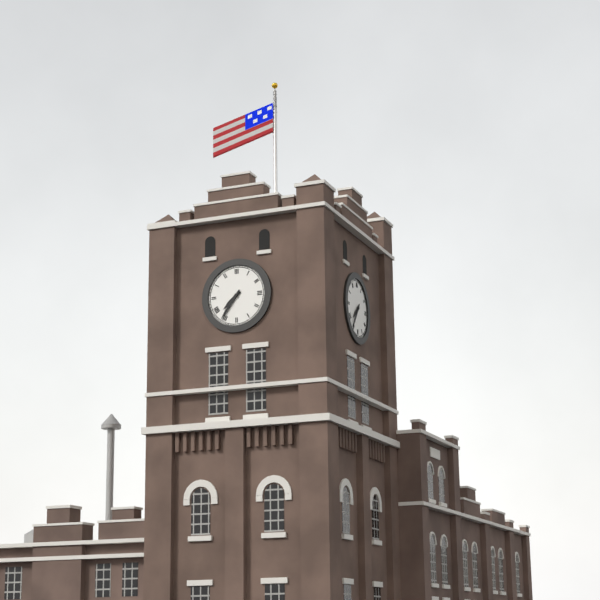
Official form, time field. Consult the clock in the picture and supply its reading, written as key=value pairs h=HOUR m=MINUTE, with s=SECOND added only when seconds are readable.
h=7 m=36
